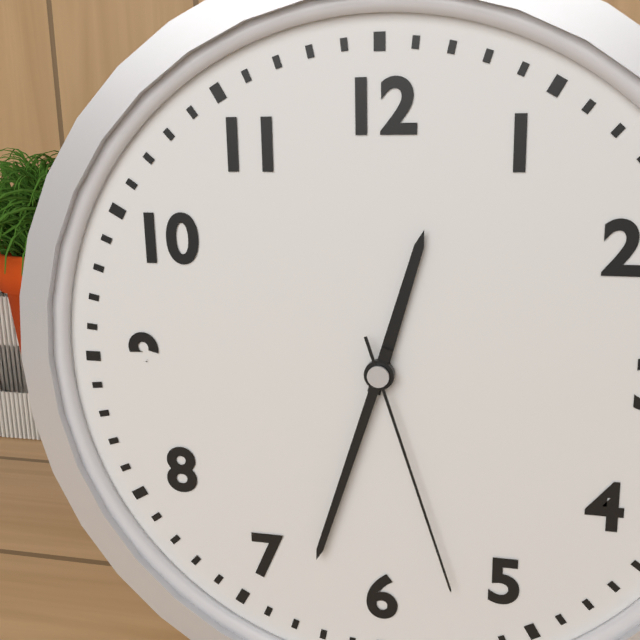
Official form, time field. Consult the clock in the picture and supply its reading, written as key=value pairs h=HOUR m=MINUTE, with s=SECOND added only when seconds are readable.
h=12 m=33 s=27
